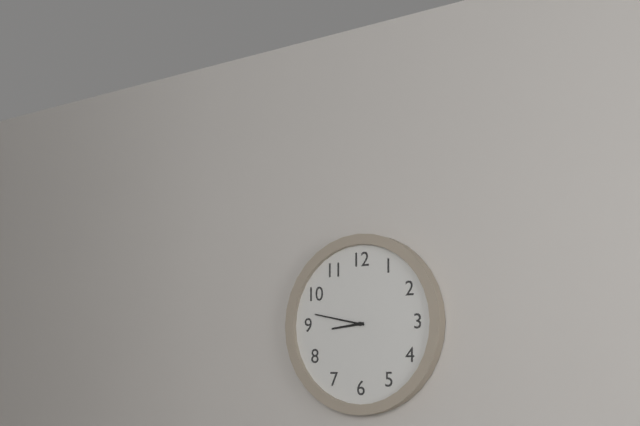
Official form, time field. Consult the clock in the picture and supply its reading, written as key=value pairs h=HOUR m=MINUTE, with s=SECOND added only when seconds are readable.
h=8 m=47
